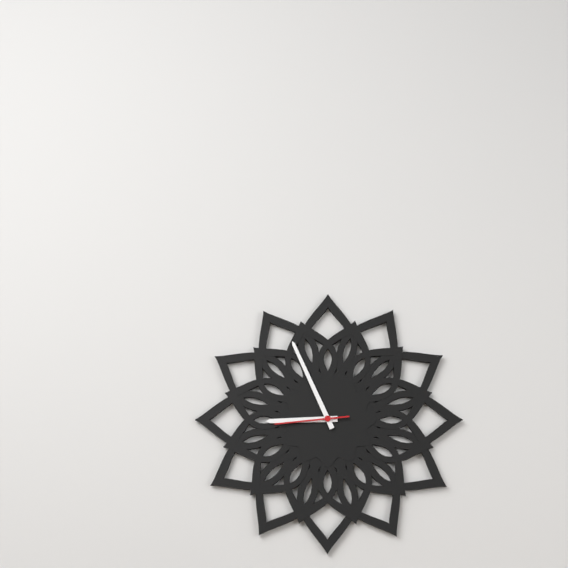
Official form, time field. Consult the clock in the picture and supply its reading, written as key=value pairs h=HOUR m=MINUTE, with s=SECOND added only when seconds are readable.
h=8 m=56 s=44
